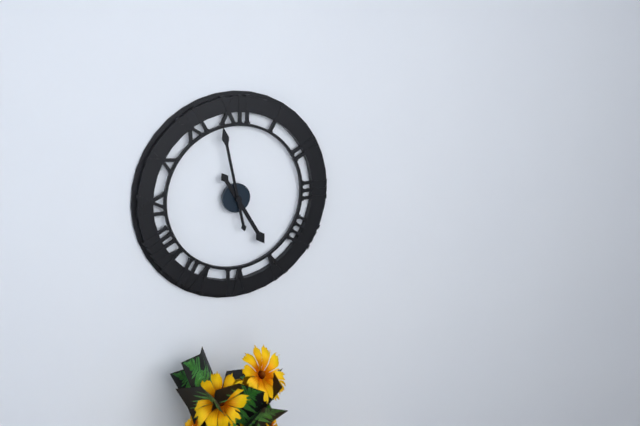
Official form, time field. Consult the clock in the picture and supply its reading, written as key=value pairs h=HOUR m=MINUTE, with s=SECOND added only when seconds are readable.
h=4 m=58
